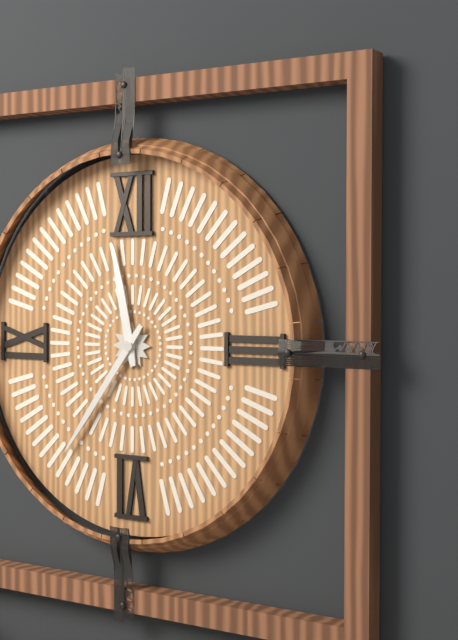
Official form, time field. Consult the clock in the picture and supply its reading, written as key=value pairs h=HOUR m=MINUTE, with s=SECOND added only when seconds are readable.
h=11 m=36
